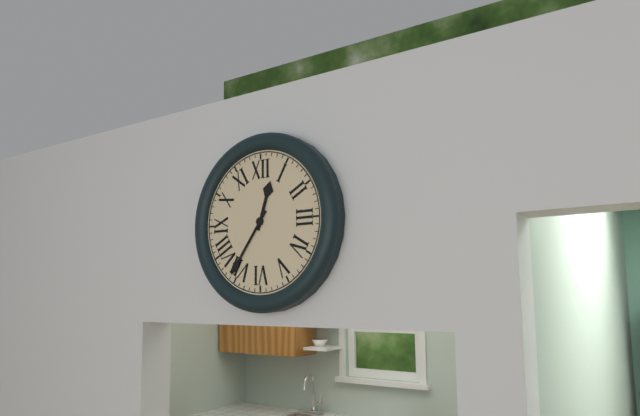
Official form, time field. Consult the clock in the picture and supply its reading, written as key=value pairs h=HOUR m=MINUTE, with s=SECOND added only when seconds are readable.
h=12 m=36
